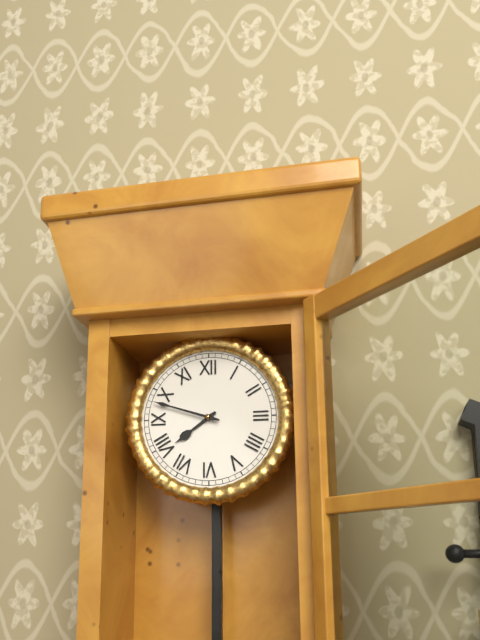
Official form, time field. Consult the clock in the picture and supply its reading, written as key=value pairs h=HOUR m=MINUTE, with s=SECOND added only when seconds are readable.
h=7 m=48
